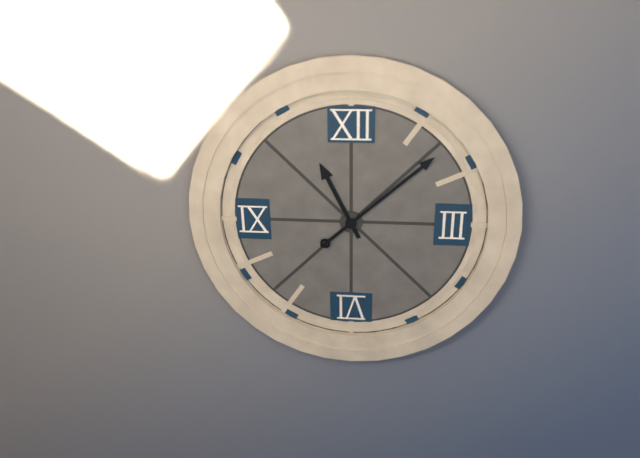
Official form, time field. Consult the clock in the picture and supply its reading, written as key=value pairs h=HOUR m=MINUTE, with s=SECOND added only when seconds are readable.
h=11 m=8
